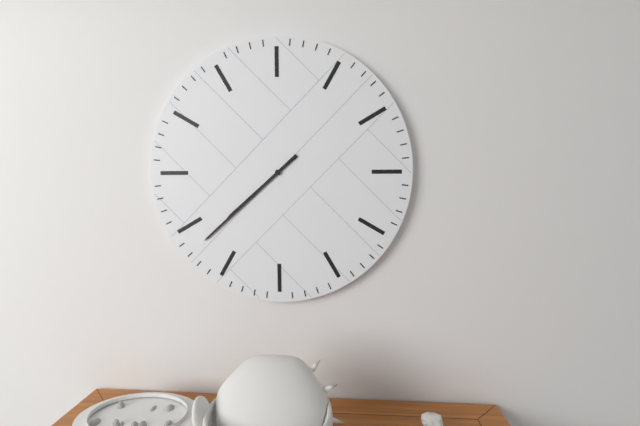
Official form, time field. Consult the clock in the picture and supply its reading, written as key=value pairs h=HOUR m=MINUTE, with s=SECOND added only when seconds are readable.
h=7 m=38
